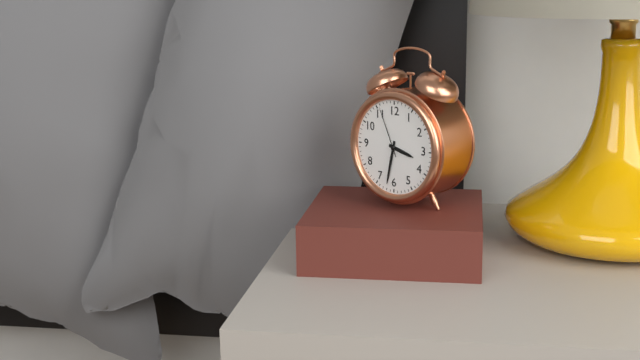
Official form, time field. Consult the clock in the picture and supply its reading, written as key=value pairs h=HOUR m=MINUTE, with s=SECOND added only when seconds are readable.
h=3 m=32 s=56
